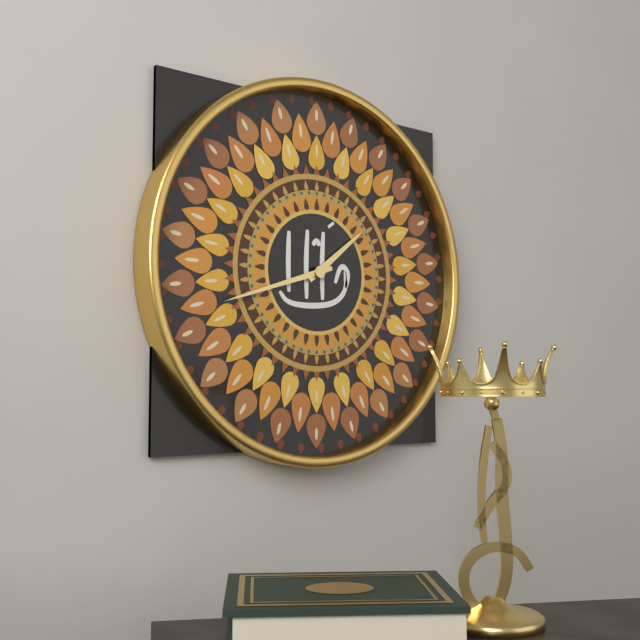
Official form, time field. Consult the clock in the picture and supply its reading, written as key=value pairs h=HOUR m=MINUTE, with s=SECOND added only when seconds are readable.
h=1 m=42
